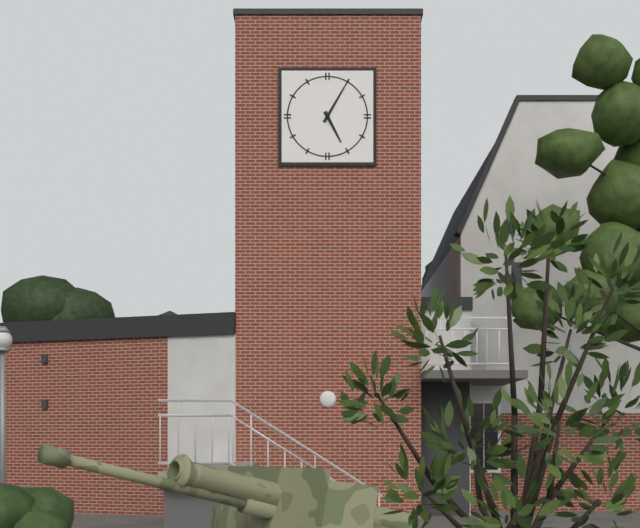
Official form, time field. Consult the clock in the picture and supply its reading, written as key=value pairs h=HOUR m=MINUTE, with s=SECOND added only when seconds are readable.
h=5 m=5
